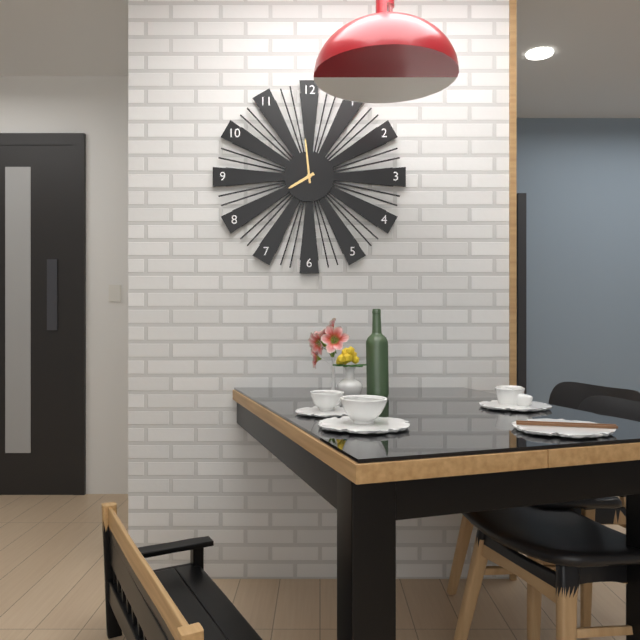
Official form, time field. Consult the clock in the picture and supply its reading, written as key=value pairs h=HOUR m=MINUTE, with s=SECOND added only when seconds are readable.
h=7 m=59
